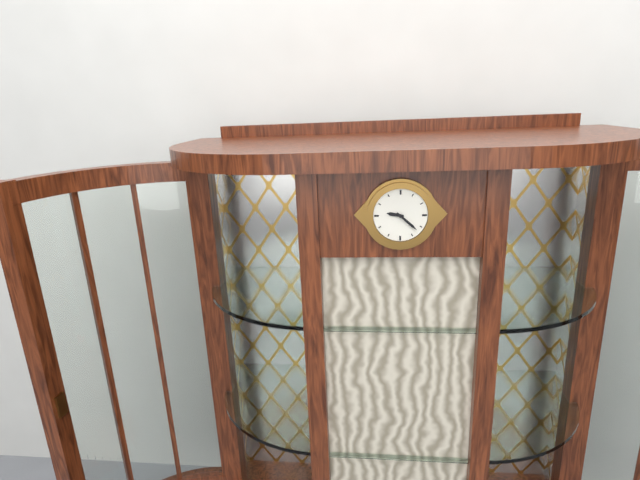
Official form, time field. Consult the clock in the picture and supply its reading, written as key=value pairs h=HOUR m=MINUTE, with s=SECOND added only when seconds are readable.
h=9 m=22
